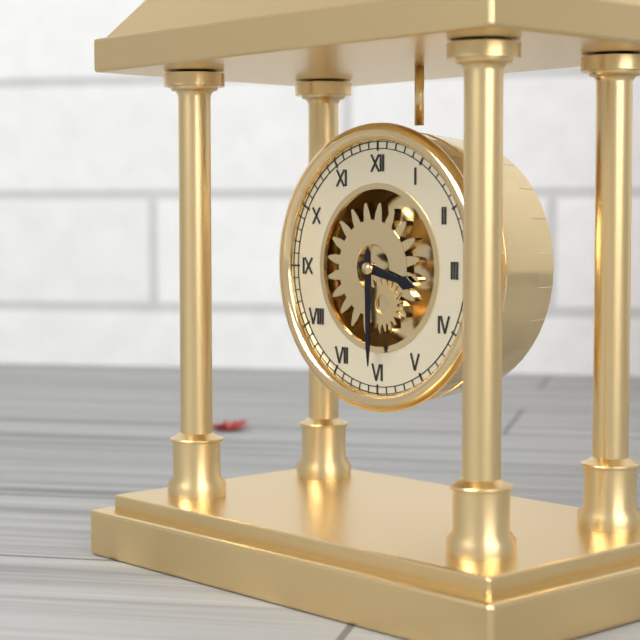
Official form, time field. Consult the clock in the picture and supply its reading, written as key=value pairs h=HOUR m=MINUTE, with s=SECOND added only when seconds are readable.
h=3 m=30
